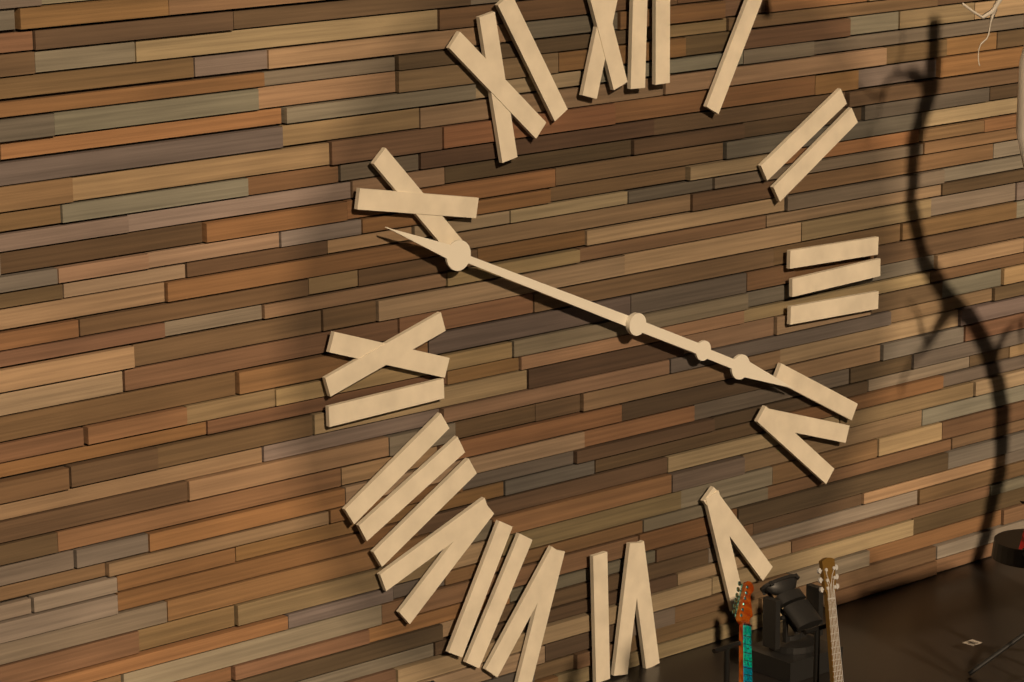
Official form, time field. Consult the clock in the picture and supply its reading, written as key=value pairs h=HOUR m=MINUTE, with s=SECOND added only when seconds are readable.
h=3 m=49
